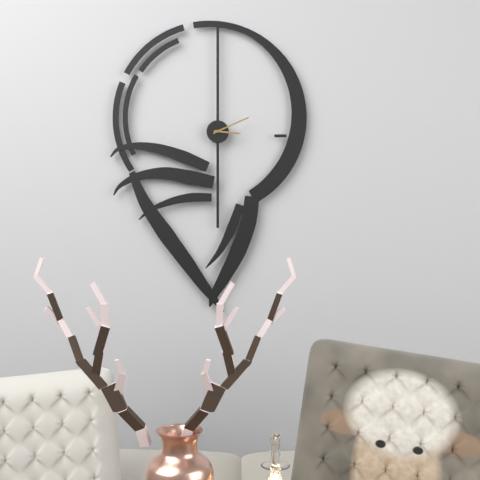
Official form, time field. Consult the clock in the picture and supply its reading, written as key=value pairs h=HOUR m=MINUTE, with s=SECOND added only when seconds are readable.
h=3 m=11
